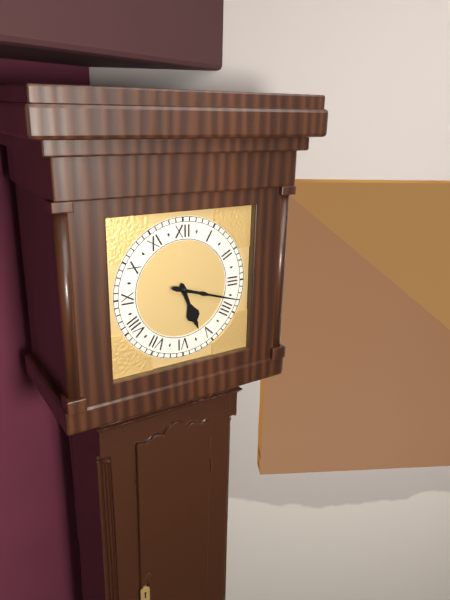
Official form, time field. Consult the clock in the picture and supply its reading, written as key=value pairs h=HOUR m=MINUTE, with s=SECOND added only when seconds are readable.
h=5 m=18
